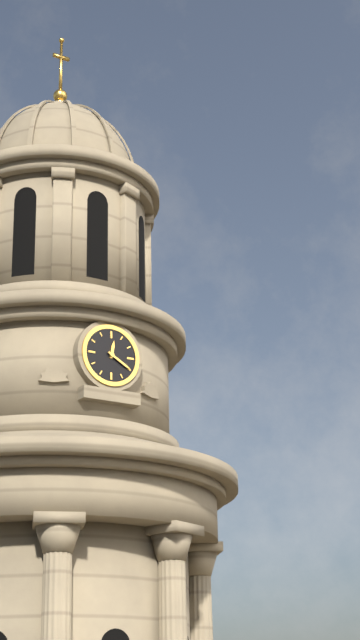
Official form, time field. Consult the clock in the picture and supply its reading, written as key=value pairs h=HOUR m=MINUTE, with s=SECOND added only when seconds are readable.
h=12 m=20
